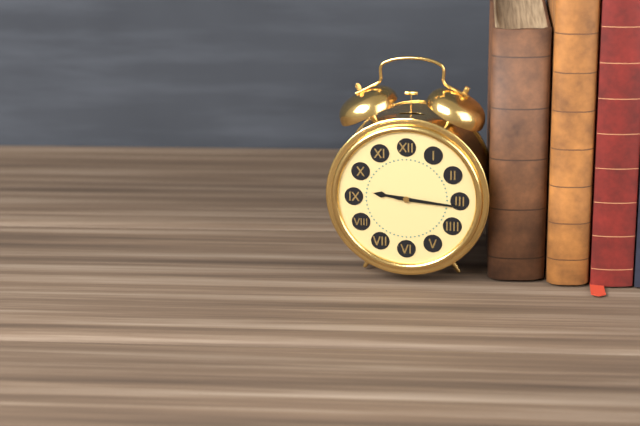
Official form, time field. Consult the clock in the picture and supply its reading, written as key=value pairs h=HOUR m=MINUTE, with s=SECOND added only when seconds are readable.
h=9 m=16
